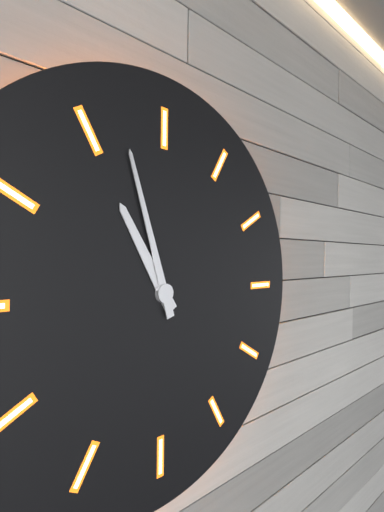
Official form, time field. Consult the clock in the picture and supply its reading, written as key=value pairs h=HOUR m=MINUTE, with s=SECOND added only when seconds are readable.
h=10 m=57
